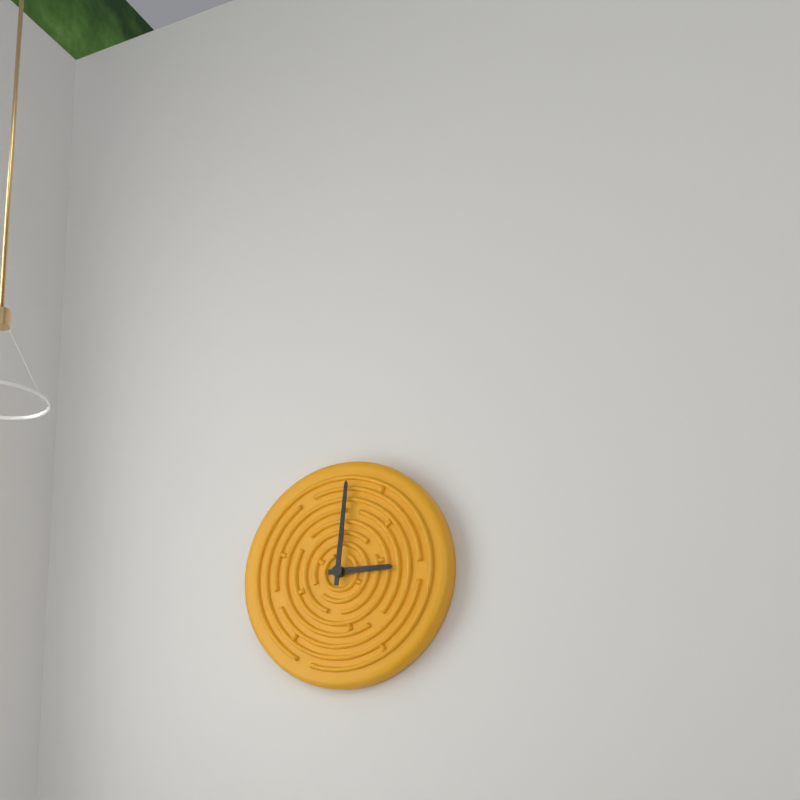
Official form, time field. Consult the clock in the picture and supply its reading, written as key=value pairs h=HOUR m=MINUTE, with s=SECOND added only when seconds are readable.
h=3 m=1
